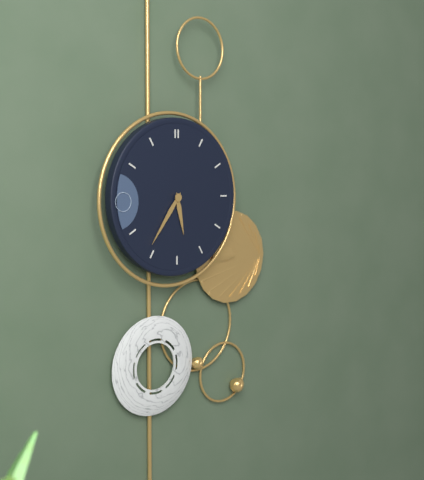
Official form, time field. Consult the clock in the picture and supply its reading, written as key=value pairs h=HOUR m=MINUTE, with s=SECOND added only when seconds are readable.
h=5 m=36
